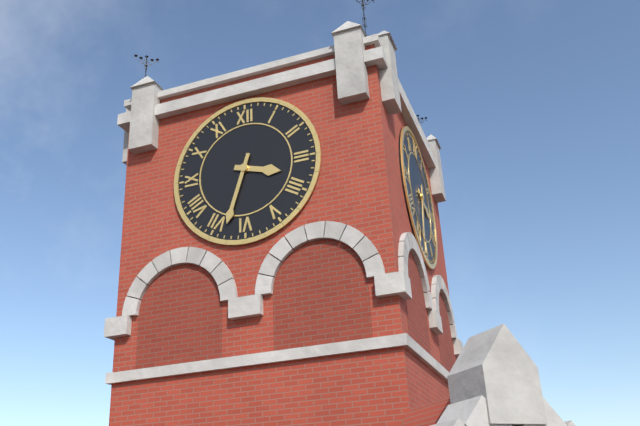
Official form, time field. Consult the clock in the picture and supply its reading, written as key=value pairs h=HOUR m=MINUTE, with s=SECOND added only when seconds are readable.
h=3 m=33
